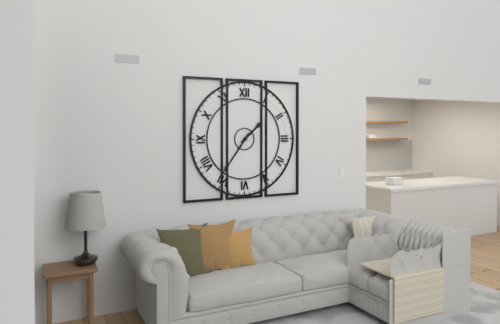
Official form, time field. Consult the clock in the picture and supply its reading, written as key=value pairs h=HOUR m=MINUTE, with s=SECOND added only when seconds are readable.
h=1 m=36
